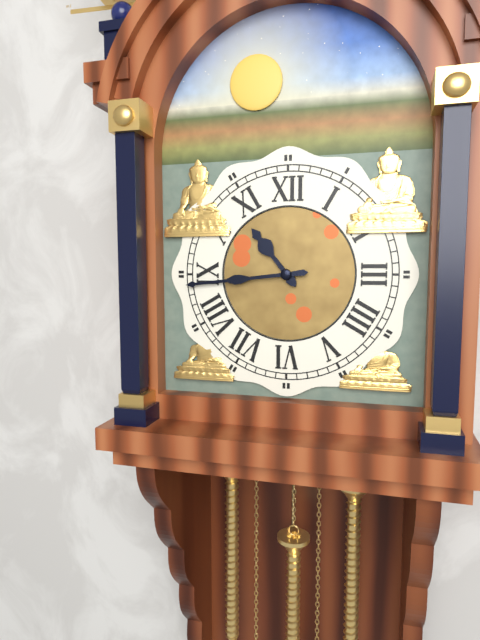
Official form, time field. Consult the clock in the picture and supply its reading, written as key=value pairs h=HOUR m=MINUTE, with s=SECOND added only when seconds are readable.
h=10 m=44
